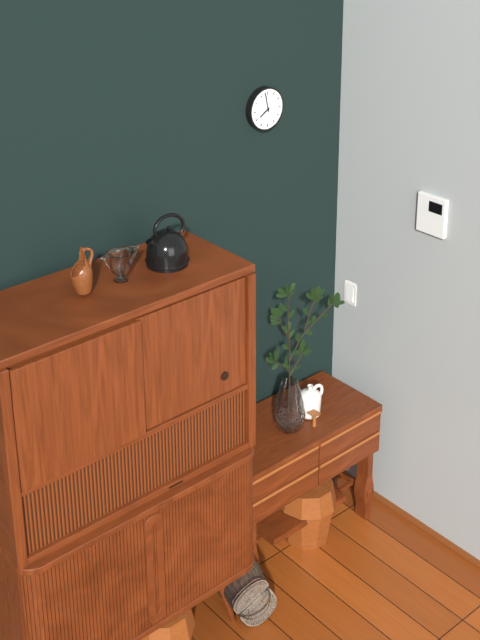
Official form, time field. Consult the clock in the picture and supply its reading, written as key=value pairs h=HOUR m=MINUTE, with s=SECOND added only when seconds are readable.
h=7 m=58
